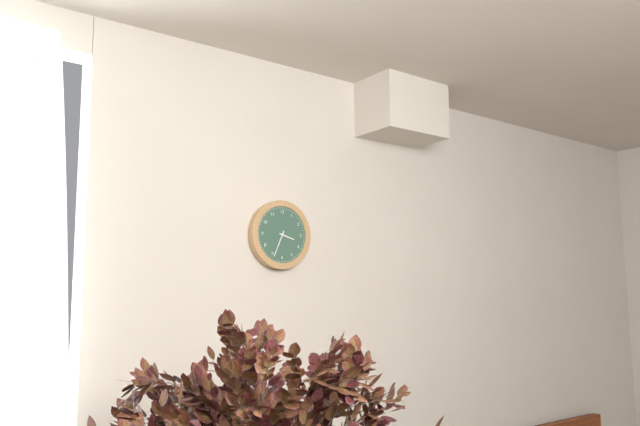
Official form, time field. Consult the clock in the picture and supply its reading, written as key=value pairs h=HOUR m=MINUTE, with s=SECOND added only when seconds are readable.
h=3 m=34
